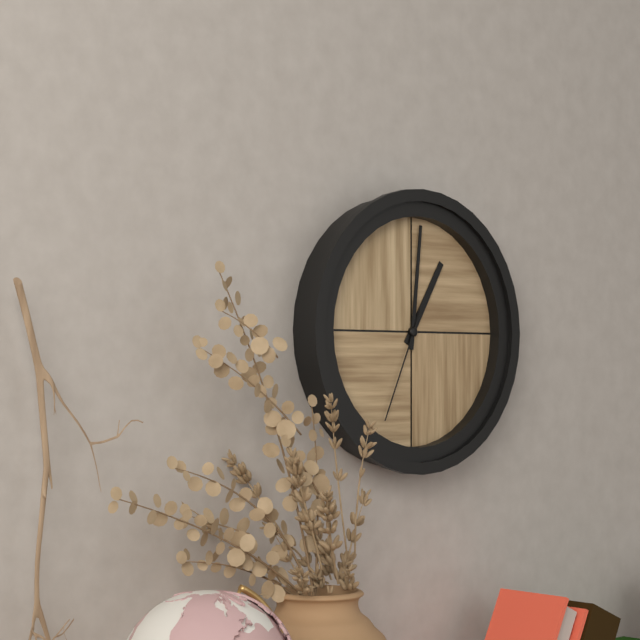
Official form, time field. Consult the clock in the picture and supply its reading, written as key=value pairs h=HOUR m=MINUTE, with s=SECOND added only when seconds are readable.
h=1 m=1 s=34
